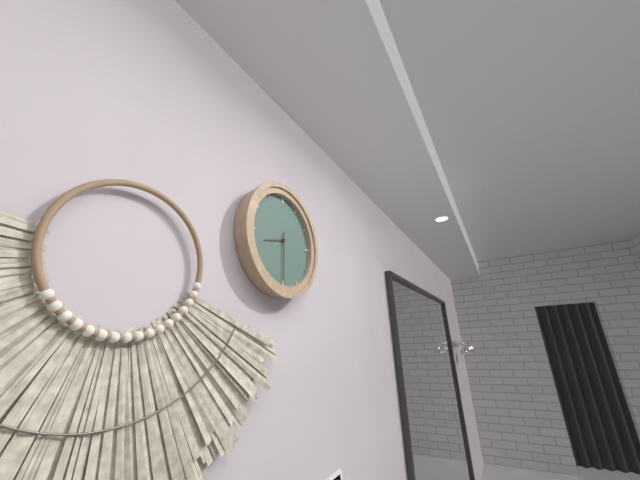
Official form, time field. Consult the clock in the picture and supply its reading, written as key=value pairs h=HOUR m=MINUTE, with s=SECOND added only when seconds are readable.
h=8 m=30
